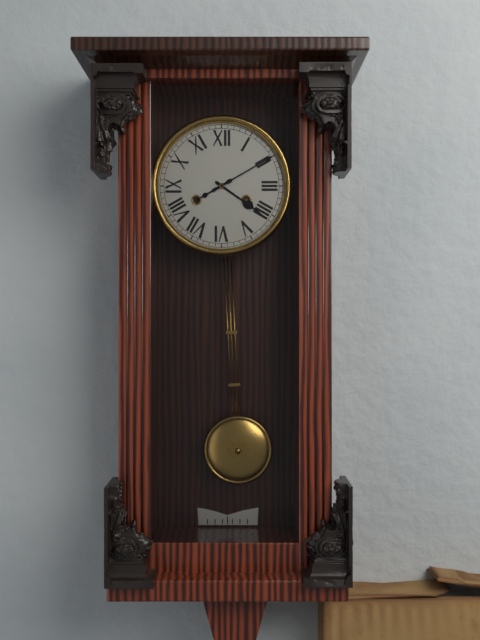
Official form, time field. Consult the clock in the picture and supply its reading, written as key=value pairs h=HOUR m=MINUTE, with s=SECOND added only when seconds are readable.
h=4 m=10
